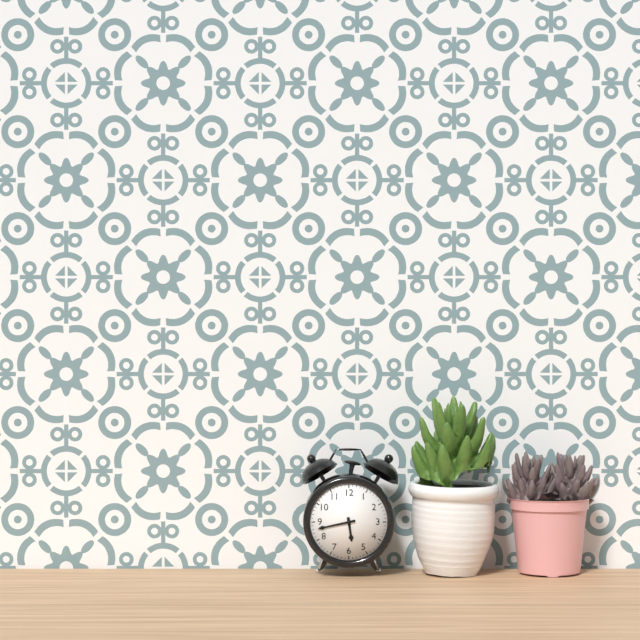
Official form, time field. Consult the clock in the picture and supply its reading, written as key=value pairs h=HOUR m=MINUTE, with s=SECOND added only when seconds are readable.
h=5 m=43
